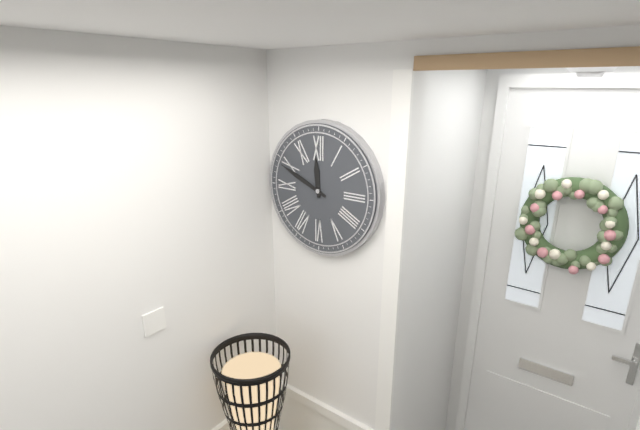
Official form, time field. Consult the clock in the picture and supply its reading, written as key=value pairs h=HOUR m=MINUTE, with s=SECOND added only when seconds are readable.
h=11 m=49
